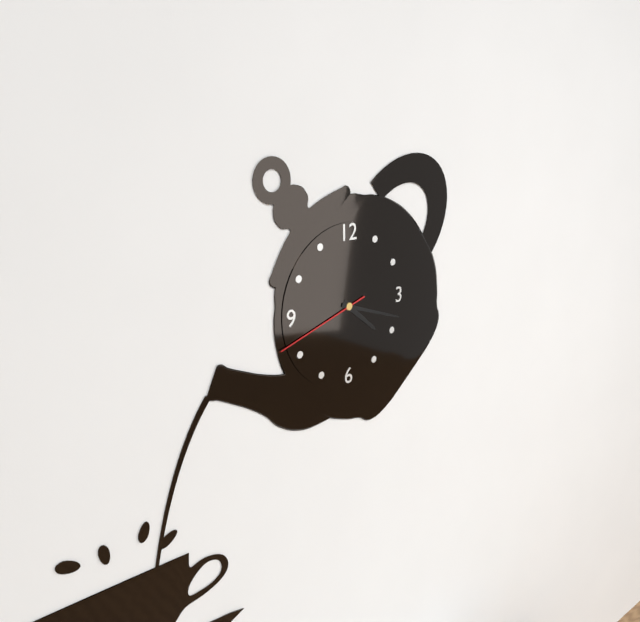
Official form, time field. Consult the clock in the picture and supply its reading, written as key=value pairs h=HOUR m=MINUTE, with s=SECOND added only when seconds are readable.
h=4 m=18 s=42
